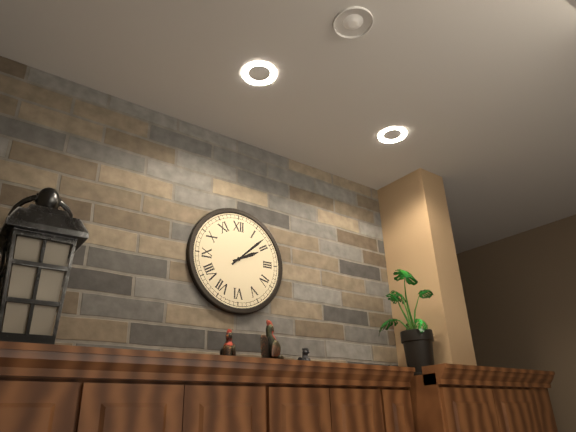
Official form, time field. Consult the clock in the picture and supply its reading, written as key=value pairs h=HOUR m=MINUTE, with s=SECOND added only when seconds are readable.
h=2 m=8
